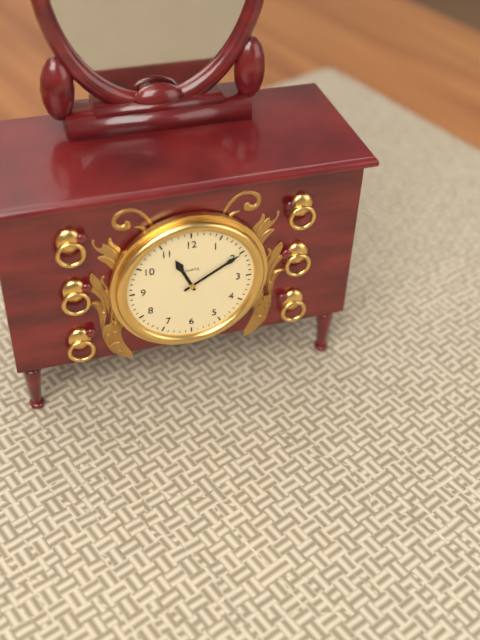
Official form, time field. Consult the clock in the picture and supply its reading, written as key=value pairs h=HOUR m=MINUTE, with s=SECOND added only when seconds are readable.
h=11 m=10
